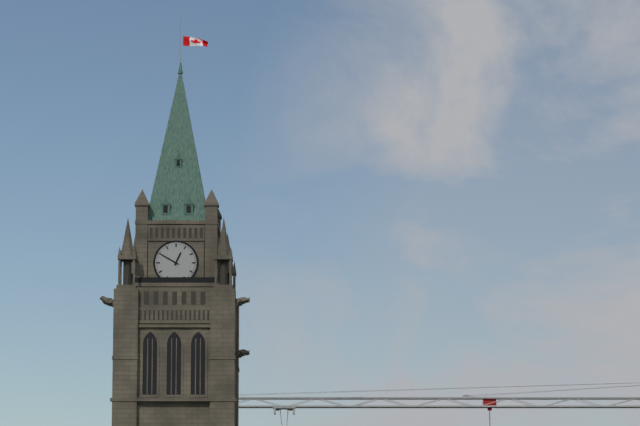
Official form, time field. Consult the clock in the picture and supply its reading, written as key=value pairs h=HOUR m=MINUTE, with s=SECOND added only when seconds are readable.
h=12 m=50
